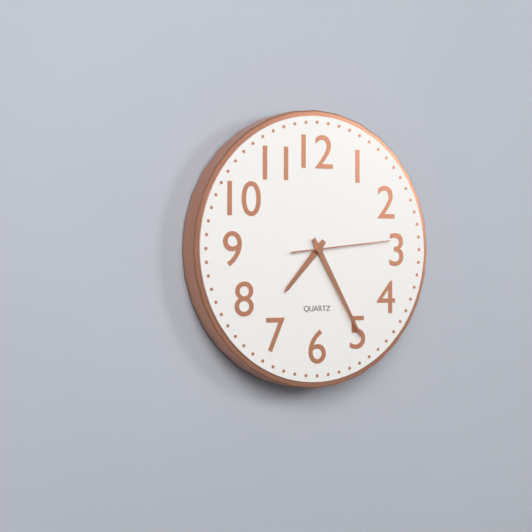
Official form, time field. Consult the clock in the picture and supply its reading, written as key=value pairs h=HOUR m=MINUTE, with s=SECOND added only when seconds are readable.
h=7 m=25 s=14
